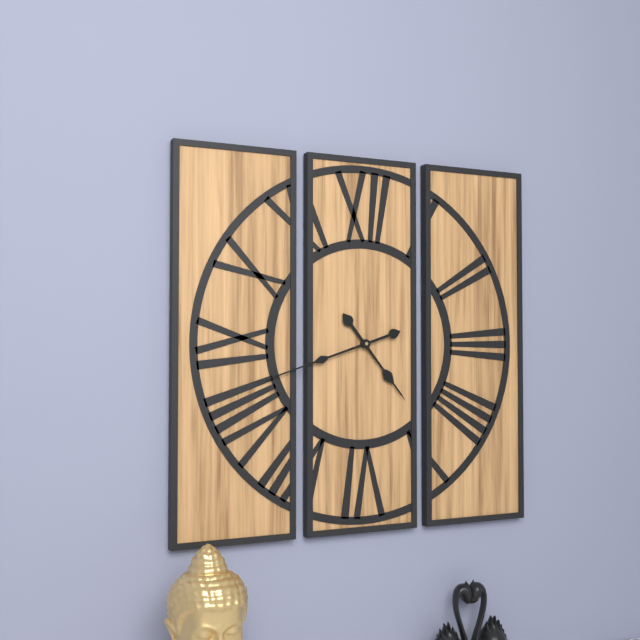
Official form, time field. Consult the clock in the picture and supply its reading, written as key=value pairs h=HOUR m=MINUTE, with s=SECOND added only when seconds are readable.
h=4 m=42
